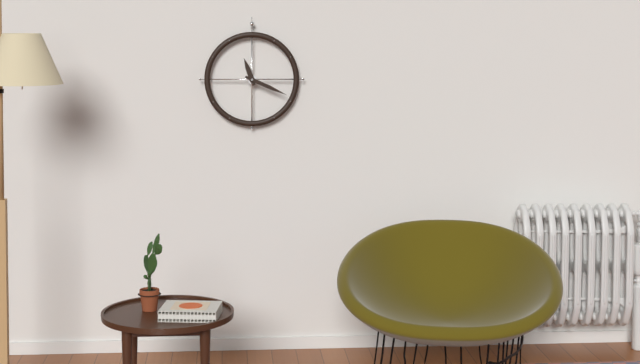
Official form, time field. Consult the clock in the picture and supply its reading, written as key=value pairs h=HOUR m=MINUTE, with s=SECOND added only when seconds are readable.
h=11 m=19
